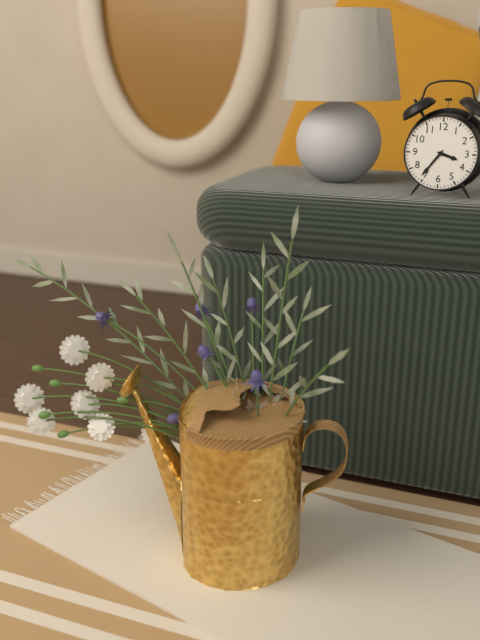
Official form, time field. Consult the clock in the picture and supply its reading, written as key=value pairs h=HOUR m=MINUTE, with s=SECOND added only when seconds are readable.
h=3 m=36
